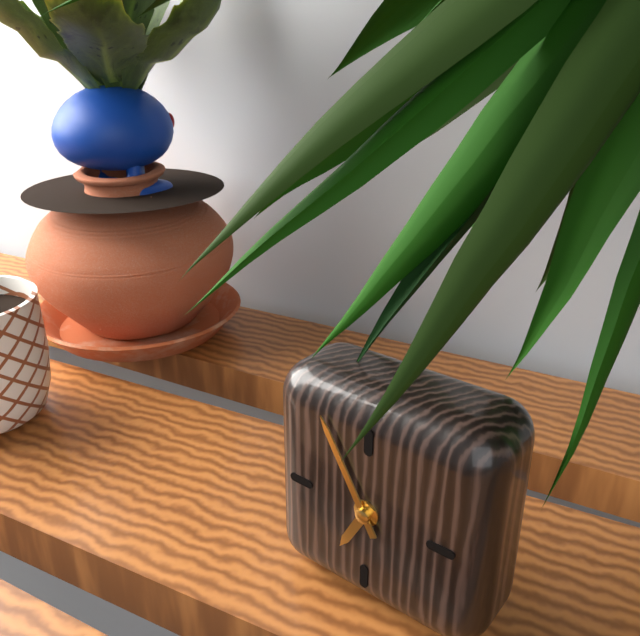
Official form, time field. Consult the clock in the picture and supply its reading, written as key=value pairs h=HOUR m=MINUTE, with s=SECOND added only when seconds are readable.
h=6 m=55
